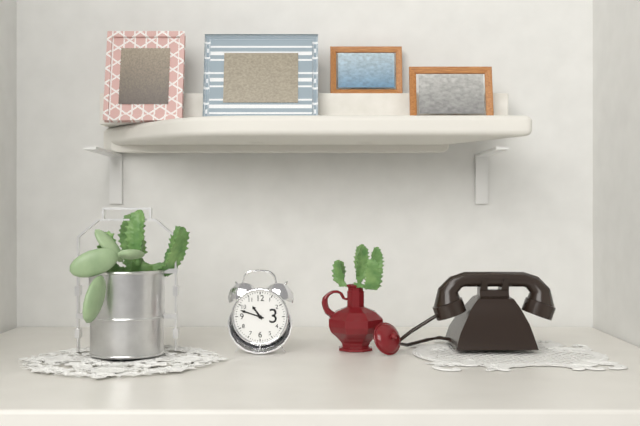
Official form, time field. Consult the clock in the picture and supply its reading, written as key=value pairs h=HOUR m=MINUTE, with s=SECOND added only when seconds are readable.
h=10 m=48
